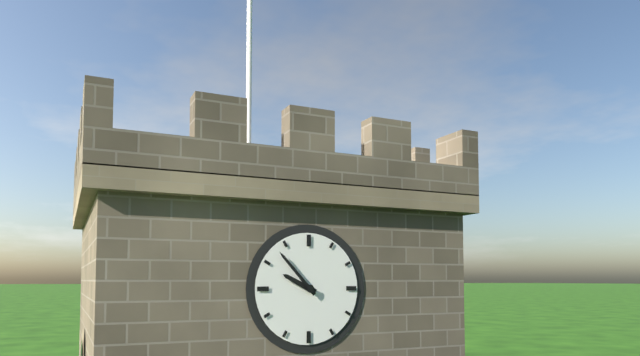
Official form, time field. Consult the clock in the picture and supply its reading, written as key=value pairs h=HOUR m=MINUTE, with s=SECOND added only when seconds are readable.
h=9 m=53
